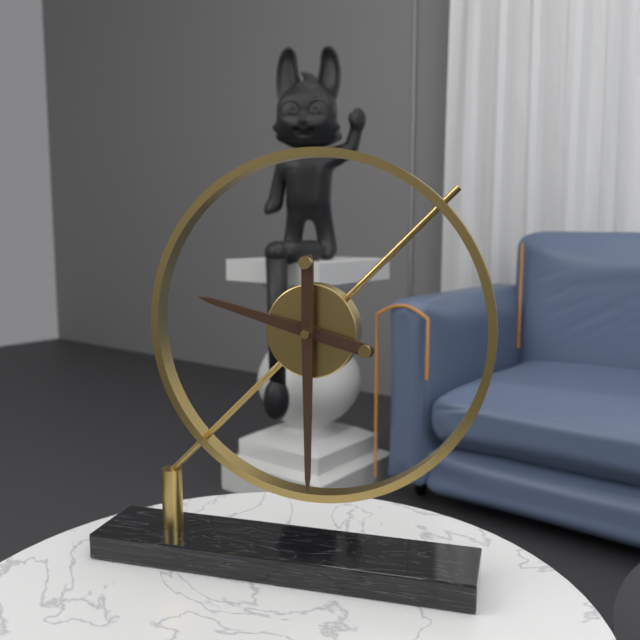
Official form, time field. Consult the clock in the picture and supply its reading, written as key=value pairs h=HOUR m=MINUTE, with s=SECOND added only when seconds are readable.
h=9 m=30
